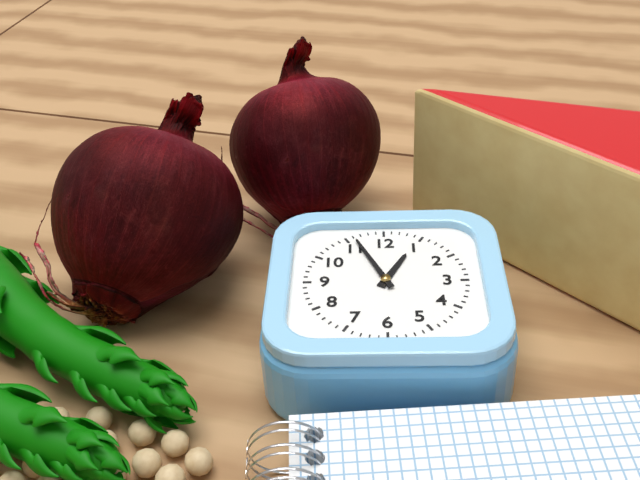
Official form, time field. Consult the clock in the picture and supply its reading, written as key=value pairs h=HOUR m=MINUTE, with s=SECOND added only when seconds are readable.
h=12 m=56
